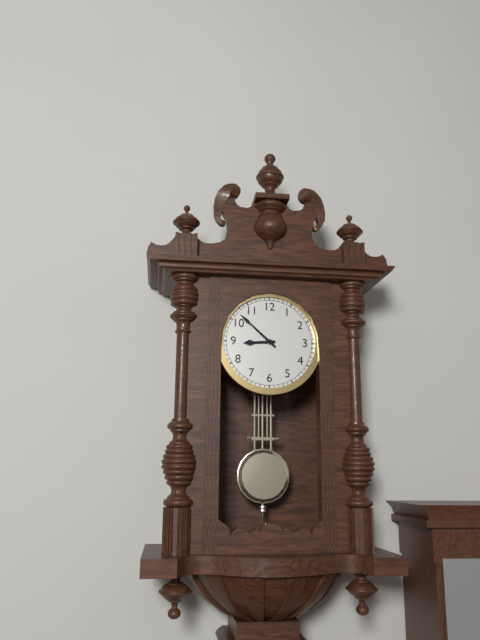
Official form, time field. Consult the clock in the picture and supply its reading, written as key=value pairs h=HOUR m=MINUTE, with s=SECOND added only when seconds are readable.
h=8 m=52
